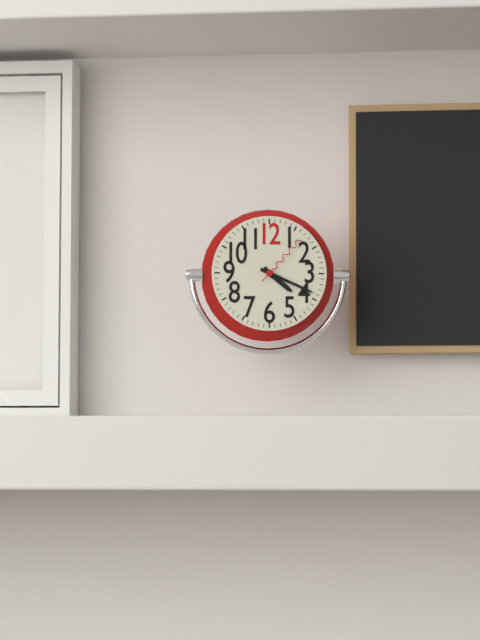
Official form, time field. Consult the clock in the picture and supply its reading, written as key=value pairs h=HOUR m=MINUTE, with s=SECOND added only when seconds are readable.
h=4 m=19 s=7
